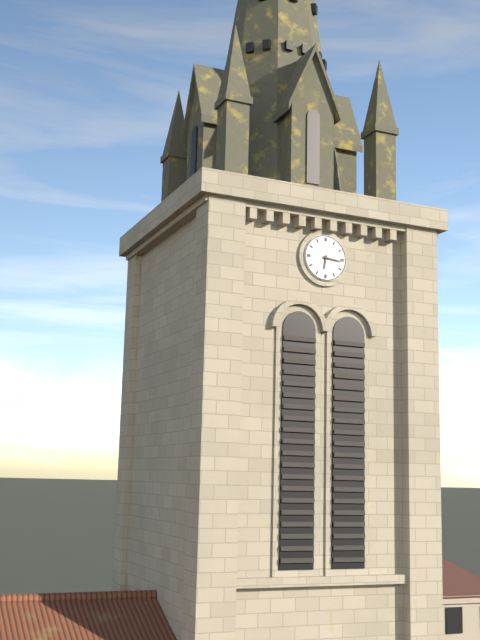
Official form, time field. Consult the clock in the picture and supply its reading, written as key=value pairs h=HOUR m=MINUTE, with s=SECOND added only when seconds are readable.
h=6 m=16
